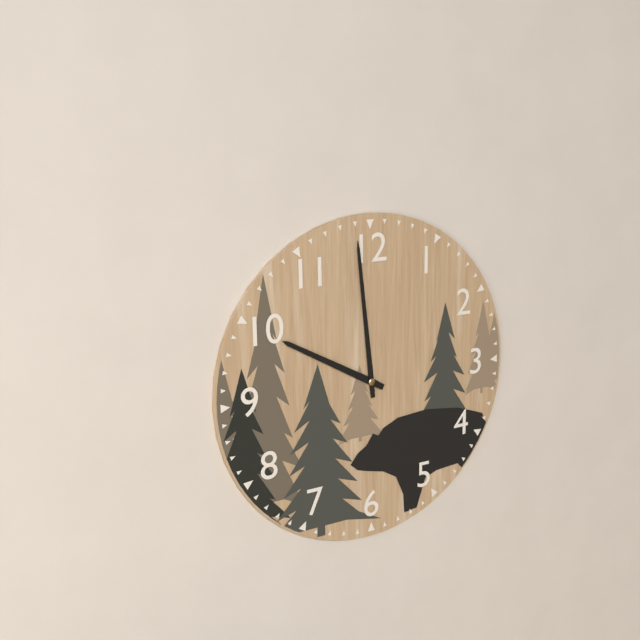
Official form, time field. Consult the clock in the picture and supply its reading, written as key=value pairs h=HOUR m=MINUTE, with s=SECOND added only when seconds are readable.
h=9 m=59
